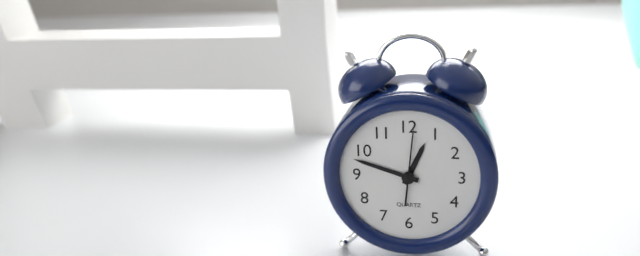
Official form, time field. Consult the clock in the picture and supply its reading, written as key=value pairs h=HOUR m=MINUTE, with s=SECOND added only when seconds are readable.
h=12 m=48 s=1
